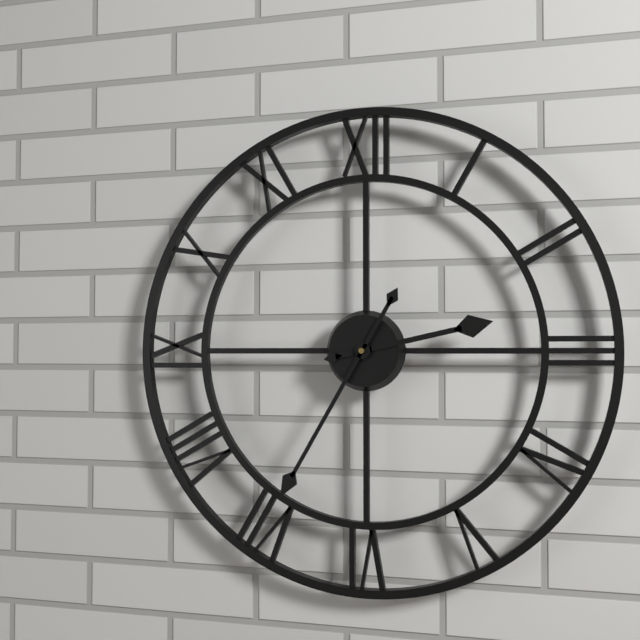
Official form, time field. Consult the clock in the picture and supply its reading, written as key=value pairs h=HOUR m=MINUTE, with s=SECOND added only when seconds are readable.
h=2 m=35
